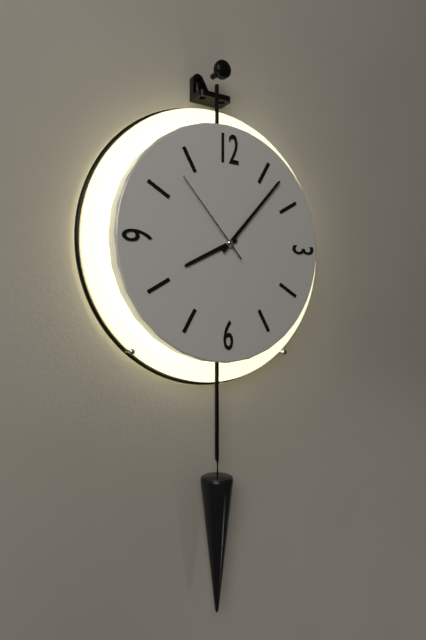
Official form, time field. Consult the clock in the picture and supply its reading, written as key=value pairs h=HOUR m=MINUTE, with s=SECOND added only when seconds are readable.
h=8 m=7 s=53
